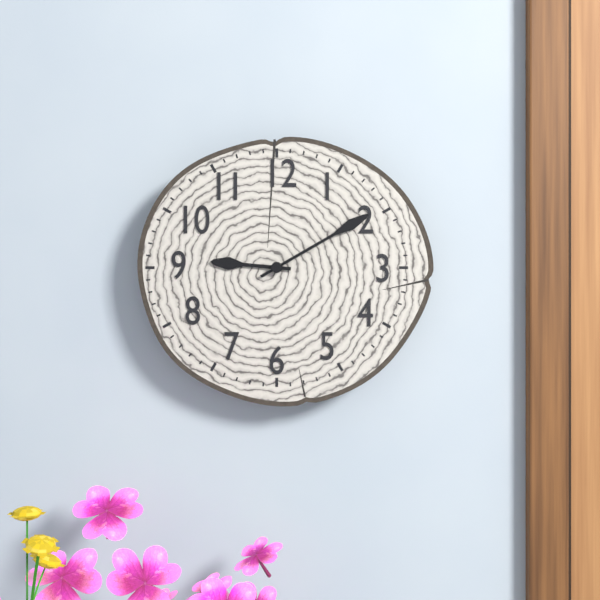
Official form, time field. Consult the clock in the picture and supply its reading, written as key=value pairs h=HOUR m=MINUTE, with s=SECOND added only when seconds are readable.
h=9 m=10
